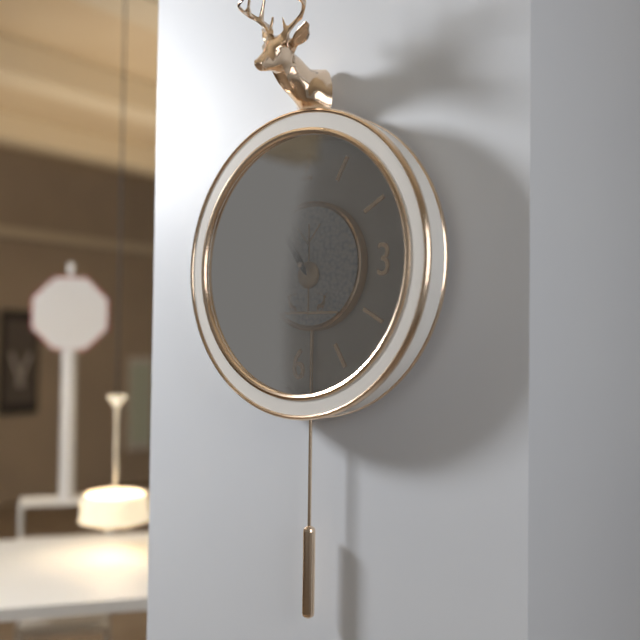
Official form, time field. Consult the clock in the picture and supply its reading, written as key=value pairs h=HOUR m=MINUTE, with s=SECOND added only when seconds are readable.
h=10 m=54
